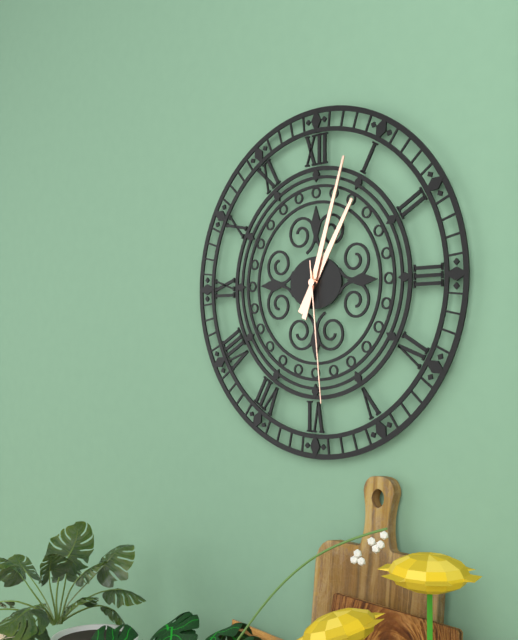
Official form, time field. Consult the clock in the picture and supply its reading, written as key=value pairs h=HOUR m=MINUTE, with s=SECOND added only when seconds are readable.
h=1 m=3 s=29
